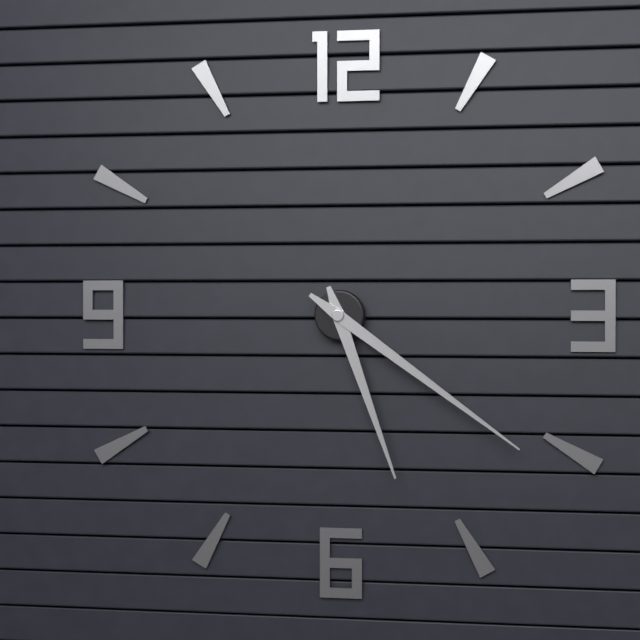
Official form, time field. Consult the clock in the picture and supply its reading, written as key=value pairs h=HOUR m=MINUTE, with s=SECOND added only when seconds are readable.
h=5 m=21
